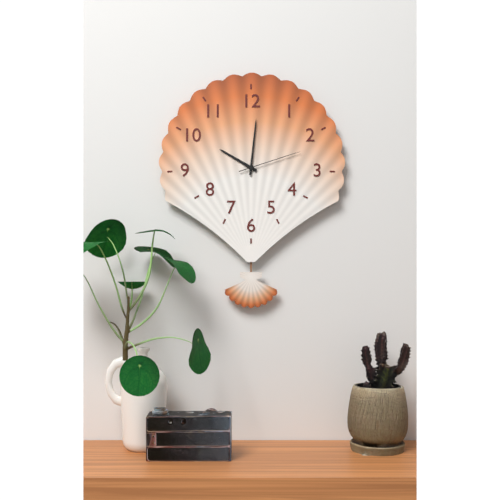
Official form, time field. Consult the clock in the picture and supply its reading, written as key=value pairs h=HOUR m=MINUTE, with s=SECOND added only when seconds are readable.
h=10 m=1 s=12
